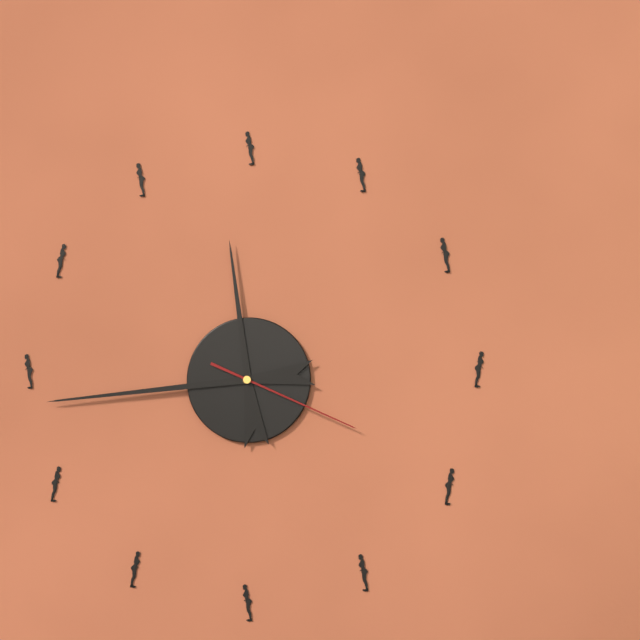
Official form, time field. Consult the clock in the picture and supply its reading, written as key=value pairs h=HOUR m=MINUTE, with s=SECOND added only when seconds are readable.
h=11 m=44 s=19
